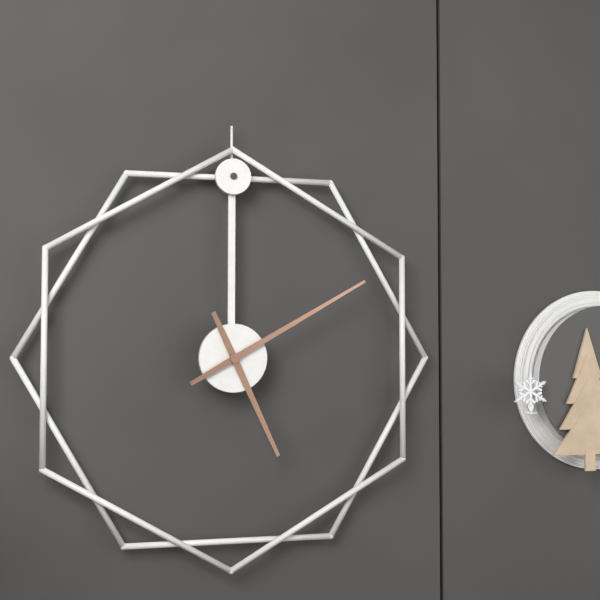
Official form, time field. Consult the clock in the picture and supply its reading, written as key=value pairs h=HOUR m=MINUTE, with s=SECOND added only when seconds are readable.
h=5 m=10
